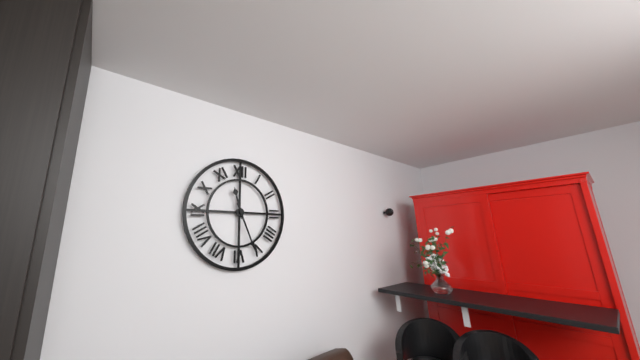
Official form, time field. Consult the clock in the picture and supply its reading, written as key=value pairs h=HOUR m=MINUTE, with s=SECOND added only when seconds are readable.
h=11 m=26
